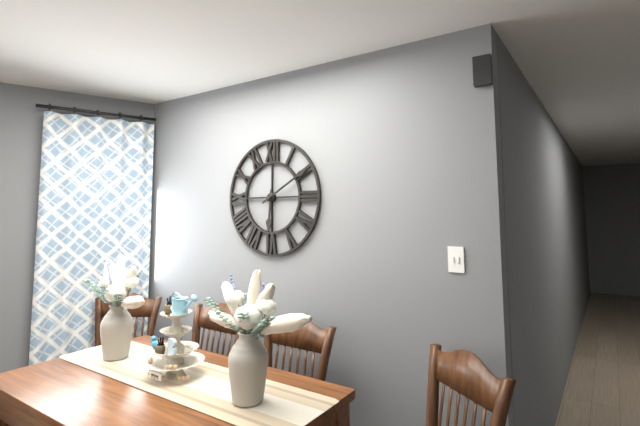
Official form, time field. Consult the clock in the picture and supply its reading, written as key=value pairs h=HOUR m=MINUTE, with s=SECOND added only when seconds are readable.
h=6 m=10
